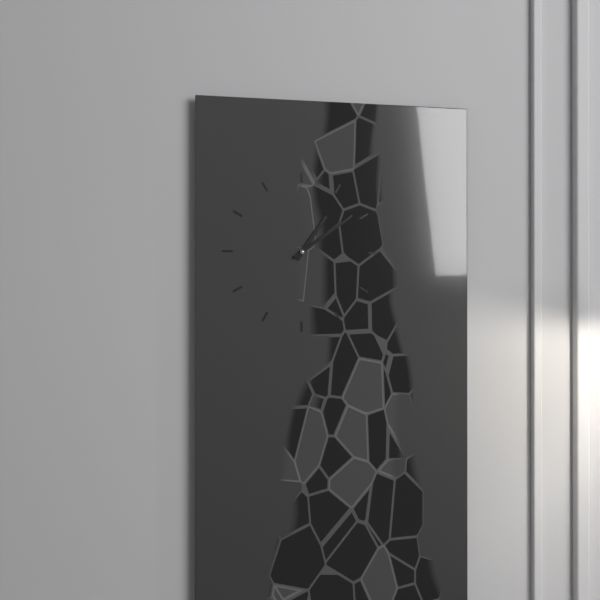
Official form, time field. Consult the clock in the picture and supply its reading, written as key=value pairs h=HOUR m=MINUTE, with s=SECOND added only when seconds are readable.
h=1 m=9
